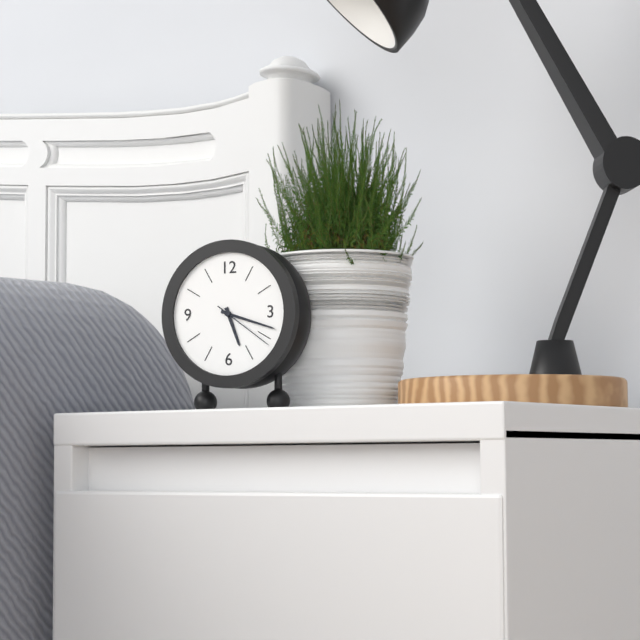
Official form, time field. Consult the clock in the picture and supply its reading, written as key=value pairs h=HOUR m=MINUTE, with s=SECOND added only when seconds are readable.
h=5 m=18 s=21
